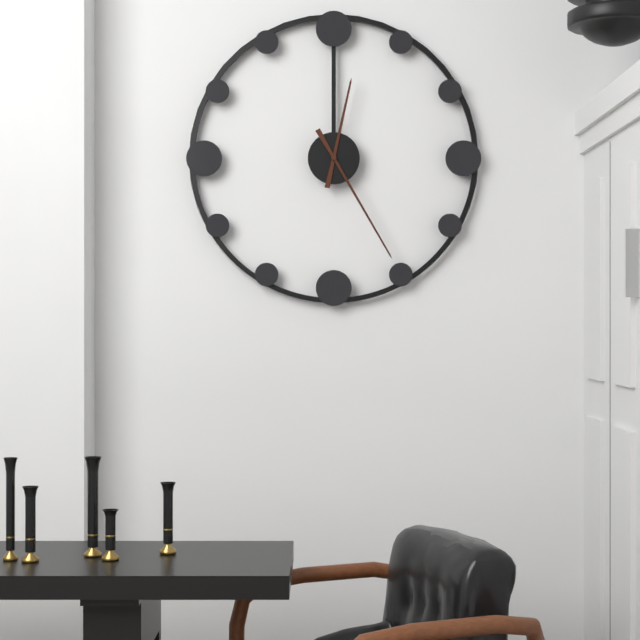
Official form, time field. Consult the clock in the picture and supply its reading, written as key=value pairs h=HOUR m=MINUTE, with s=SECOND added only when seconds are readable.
h=12 m=25
